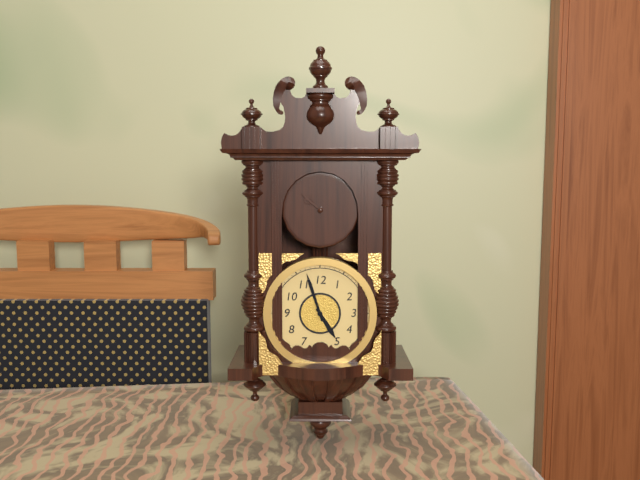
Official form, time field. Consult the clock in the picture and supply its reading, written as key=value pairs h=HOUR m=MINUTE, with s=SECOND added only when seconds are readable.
h=4 m=57
